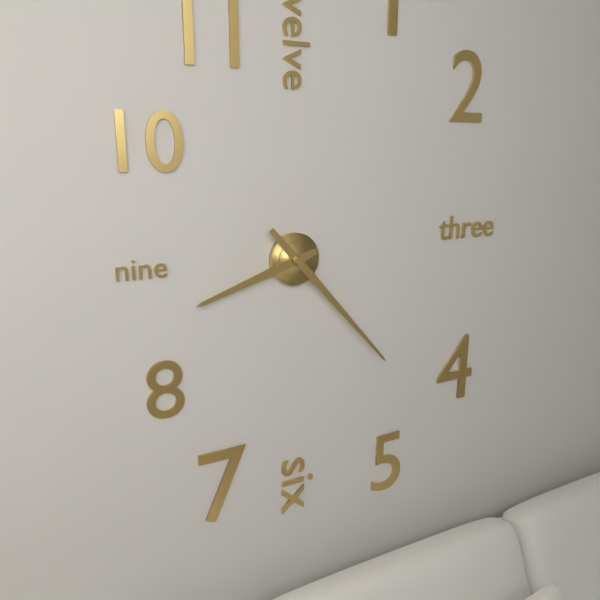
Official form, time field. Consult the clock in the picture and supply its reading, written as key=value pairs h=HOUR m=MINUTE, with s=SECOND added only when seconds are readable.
h=8 m=23
